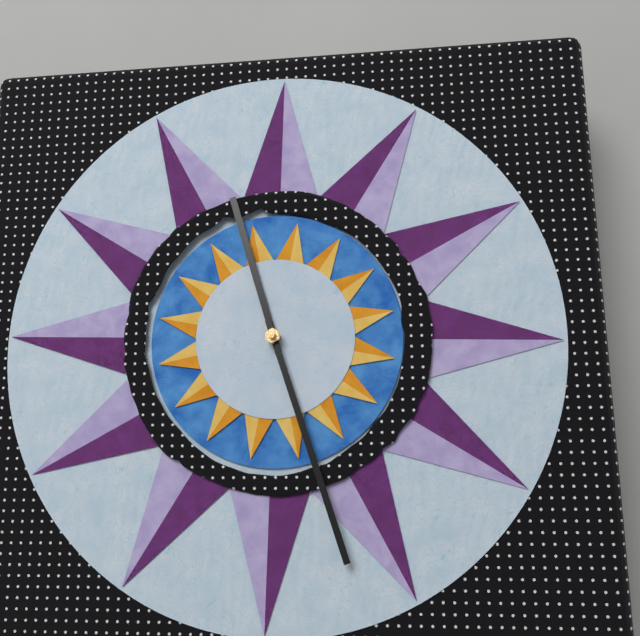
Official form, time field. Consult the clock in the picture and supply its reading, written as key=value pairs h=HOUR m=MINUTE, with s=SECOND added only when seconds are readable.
h=11 m=27
